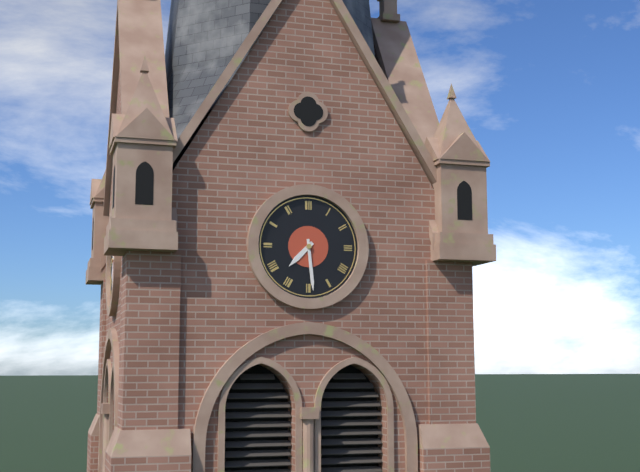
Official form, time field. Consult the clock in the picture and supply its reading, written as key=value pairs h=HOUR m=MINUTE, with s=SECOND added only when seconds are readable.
h=7 m=29
